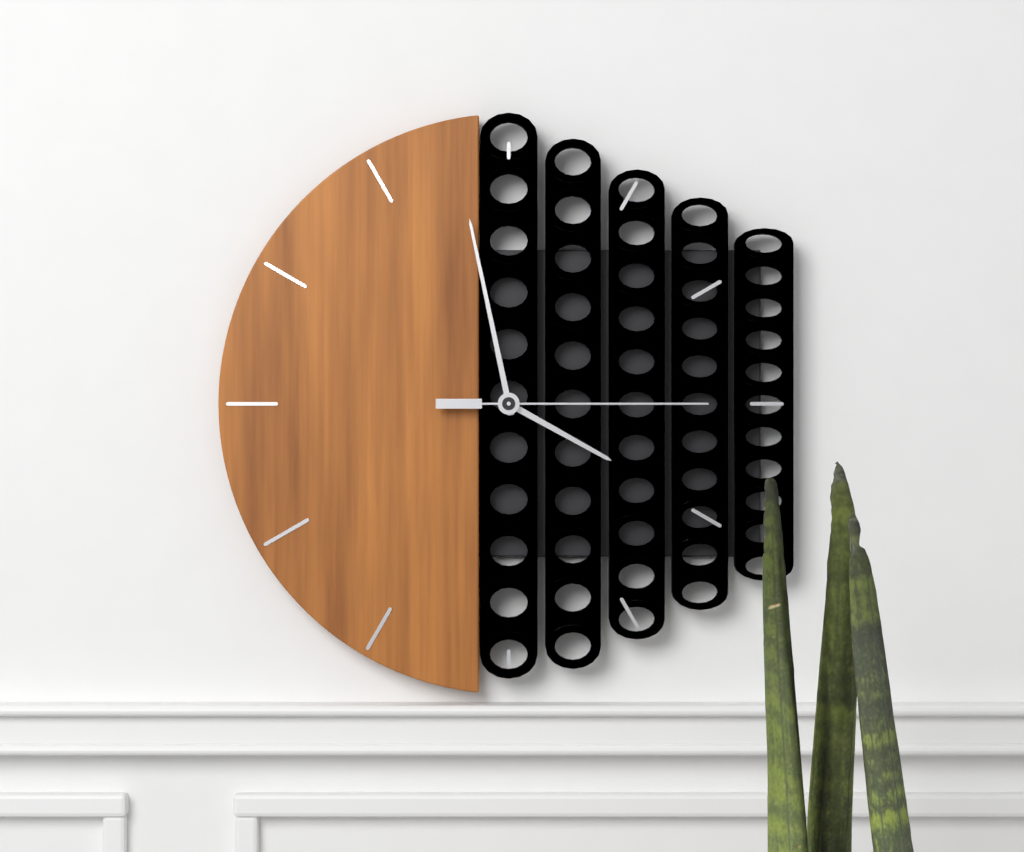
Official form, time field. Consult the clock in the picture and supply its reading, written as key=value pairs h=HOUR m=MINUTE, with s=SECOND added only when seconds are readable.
h=3 m=58 s=15
